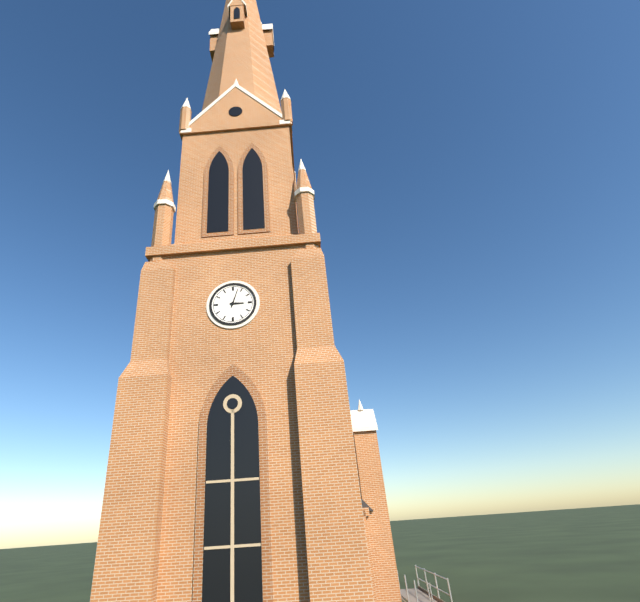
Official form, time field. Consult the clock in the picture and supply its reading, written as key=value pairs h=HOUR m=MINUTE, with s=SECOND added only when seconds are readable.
h=3 m=3
